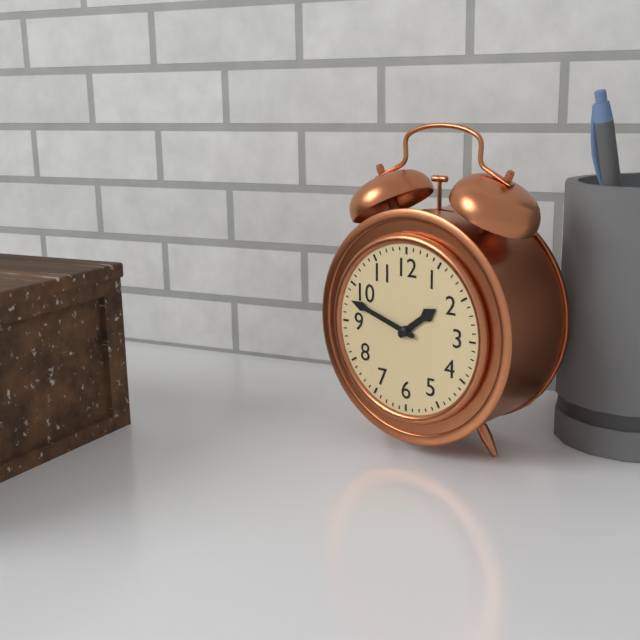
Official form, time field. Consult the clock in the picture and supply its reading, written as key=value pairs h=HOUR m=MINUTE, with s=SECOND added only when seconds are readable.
h=1 m=48
